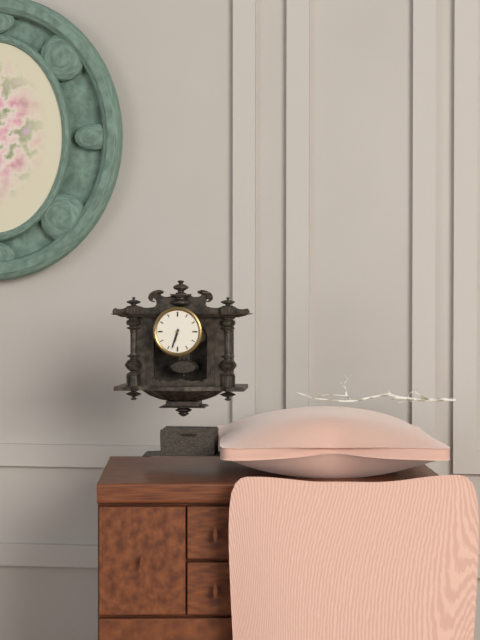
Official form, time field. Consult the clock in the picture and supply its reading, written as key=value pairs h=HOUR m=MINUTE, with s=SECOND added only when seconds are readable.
h=6 m=33
